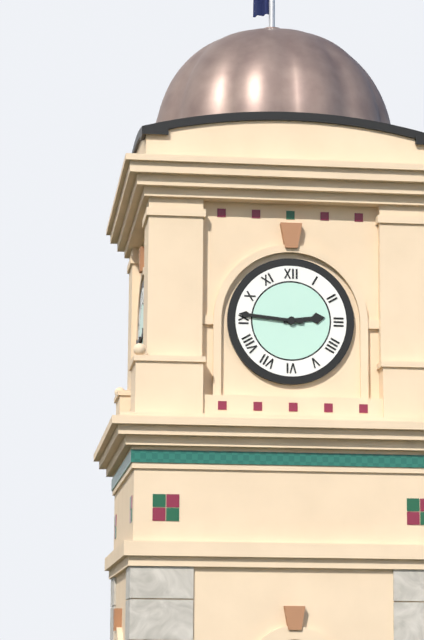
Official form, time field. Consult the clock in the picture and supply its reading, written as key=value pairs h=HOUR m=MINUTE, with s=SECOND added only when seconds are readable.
h=2 m=46
